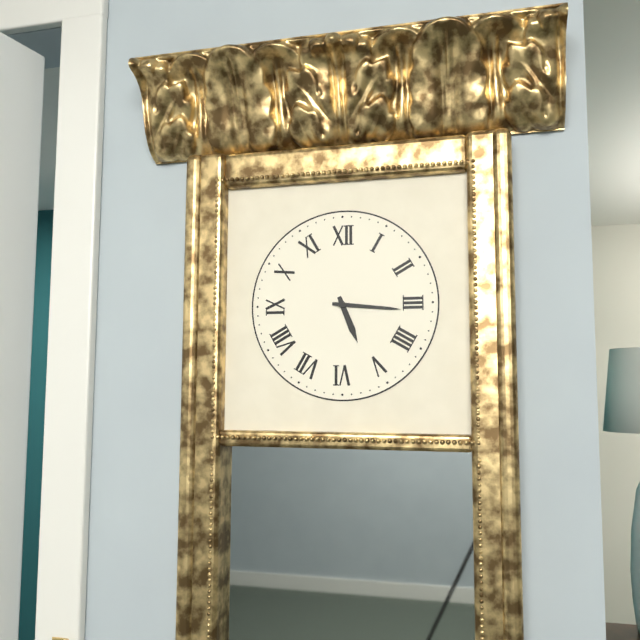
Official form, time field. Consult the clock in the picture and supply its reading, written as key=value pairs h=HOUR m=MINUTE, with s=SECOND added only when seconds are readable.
h=5 m=16
